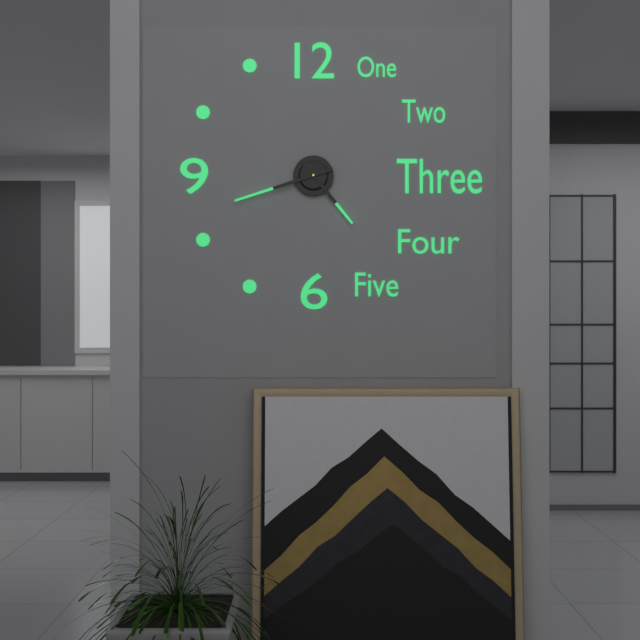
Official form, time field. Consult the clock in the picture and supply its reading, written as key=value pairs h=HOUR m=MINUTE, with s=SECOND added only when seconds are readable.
h=4 m=42
